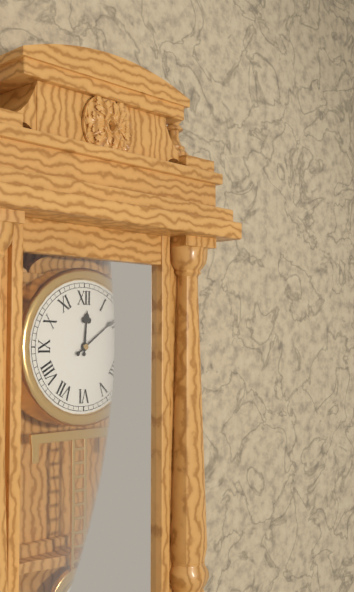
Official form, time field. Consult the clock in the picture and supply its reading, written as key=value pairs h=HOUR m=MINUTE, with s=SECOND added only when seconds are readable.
h=12 m=9
